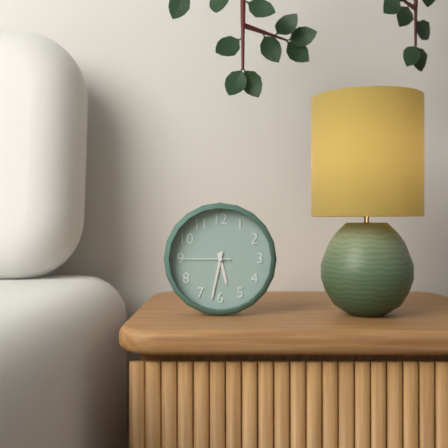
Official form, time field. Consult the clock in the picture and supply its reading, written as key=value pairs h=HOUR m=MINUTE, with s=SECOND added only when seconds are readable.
h=5 m=32 s=45
